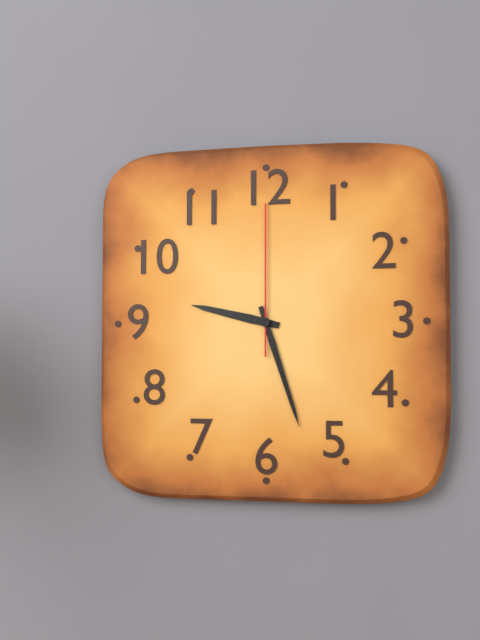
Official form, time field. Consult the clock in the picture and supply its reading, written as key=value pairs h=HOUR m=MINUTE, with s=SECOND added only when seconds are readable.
h=9 m=27 s=0
